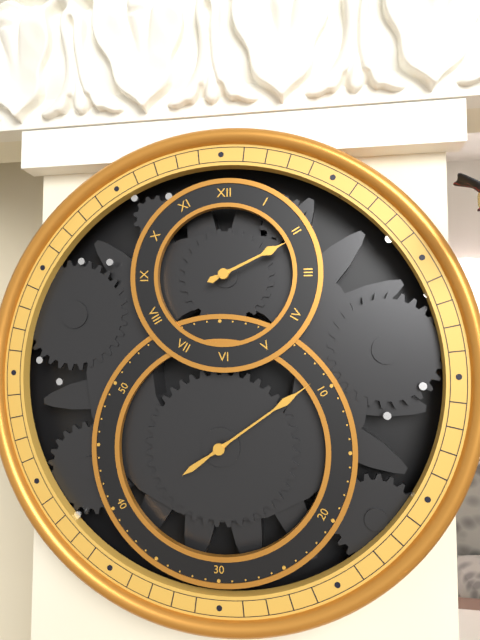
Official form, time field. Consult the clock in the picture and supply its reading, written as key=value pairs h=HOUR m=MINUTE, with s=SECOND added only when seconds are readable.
h=2 m=9
